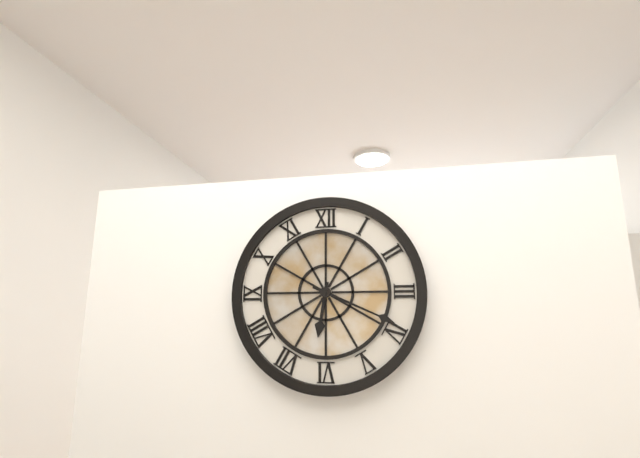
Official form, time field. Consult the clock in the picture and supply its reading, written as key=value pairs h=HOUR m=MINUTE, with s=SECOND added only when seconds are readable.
h=6 m=19
